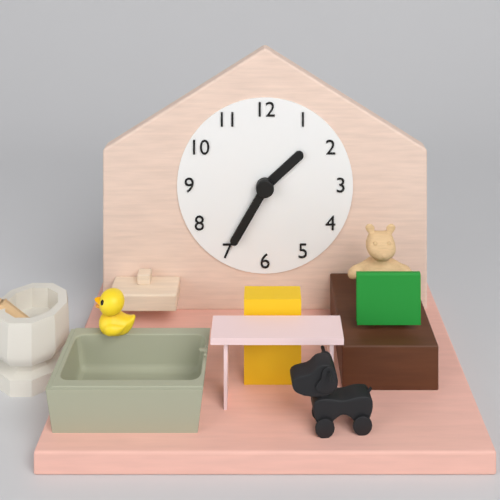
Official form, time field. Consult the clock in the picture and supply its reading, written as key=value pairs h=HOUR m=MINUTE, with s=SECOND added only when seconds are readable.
h=1 m=35
